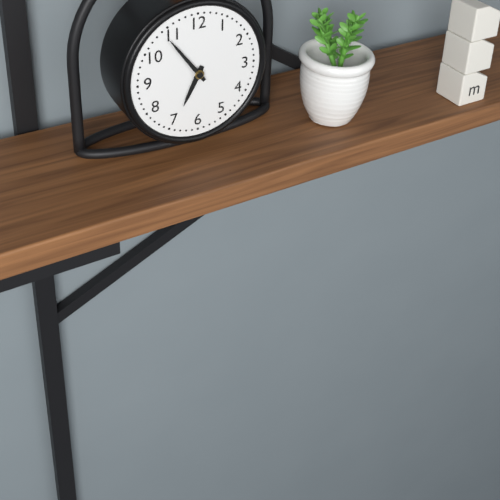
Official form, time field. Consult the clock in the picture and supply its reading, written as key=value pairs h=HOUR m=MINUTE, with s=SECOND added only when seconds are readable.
h=6 m=54
